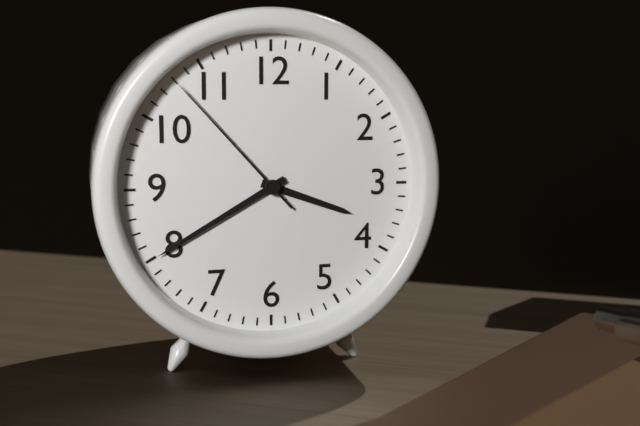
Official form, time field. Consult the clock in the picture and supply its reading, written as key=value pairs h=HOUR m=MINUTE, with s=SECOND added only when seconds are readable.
h=3 m=40 s=53
